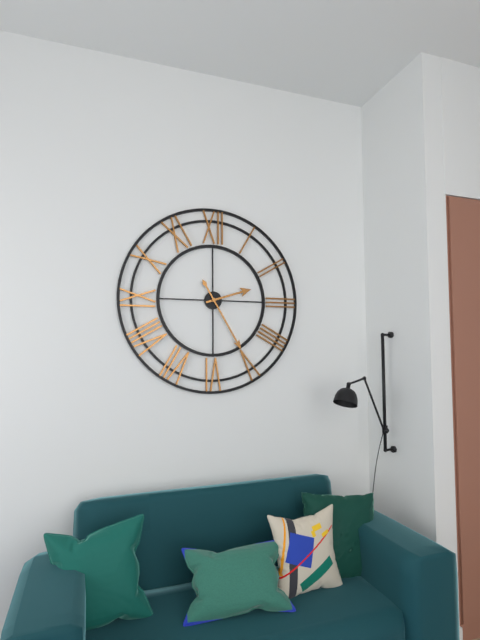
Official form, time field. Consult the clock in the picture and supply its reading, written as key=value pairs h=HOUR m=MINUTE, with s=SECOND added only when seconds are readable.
h=2 m=25
